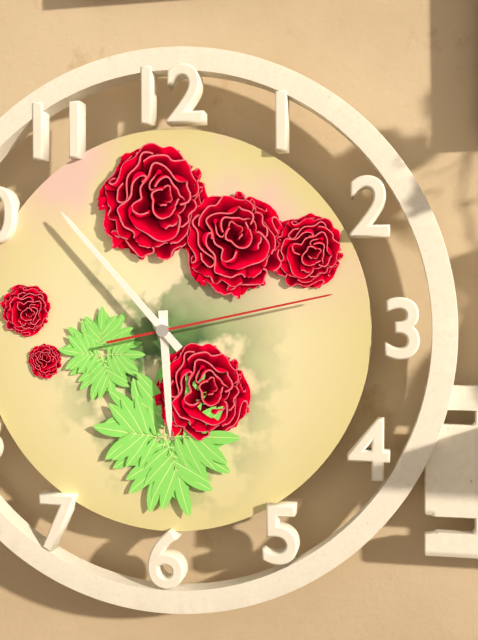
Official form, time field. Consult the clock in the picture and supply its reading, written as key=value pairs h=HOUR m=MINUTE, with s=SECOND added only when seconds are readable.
h=5 m=53 s=13
